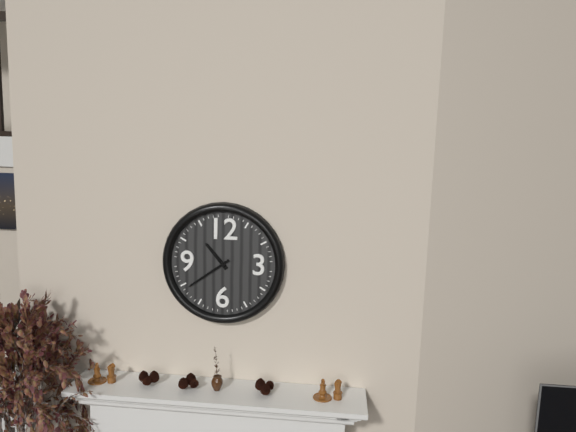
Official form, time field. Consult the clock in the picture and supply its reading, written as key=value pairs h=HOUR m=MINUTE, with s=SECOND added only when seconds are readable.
h=10 m=39
